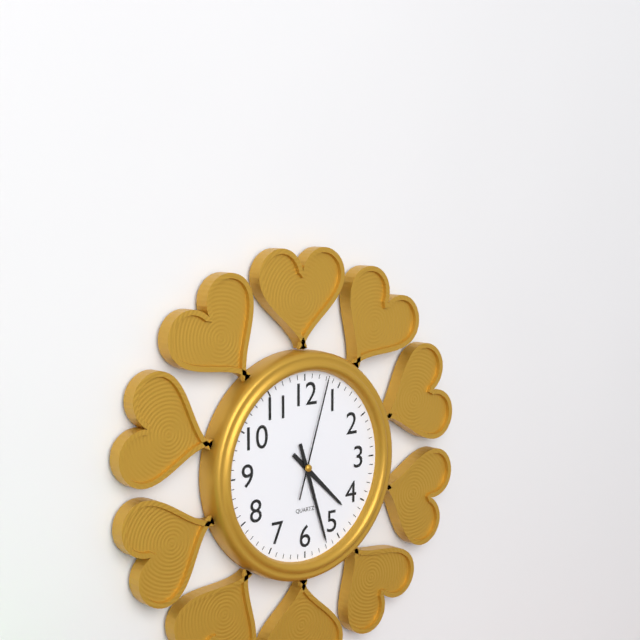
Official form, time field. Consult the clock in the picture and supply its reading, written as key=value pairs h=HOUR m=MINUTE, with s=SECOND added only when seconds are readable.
h=4 m=27 s=3
